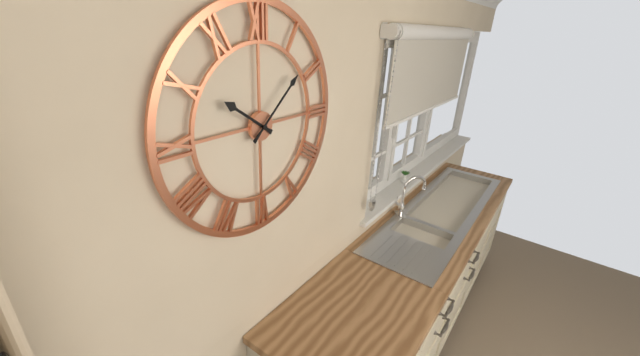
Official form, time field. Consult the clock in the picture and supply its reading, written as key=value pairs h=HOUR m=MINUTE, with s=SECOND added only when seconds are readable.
h=10 m=8
